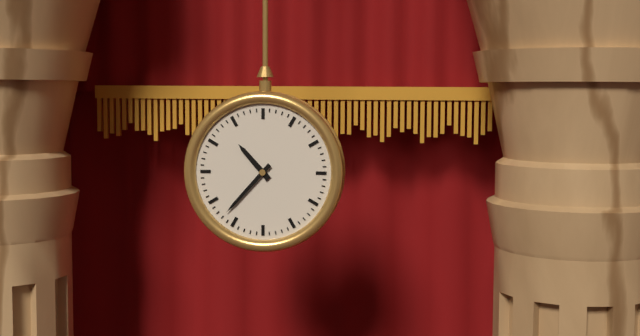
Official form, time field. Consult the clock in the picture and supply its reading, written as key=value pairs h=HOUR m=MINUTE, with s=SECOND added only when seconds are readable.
h=10 m=37
